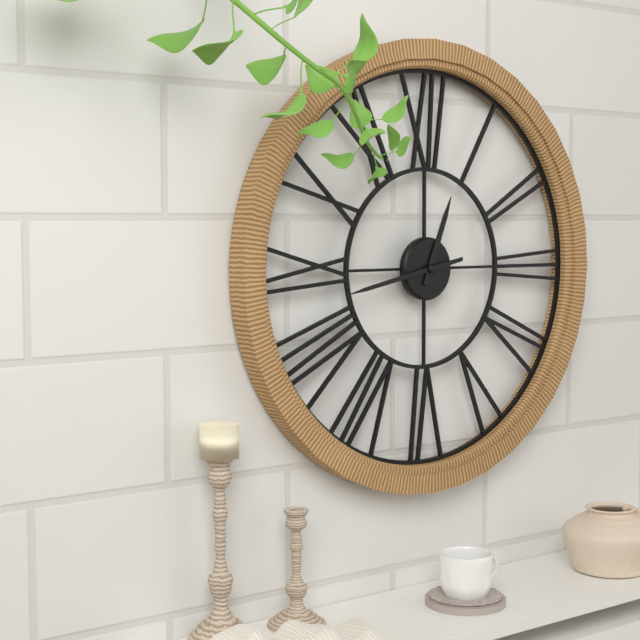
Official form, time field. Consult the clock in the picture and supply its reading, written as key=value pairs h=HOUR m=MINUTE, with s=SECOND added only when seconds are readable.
h=12 m=43
